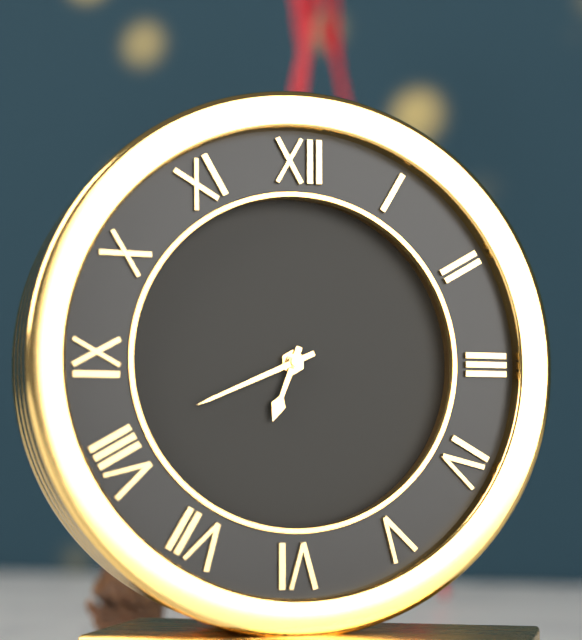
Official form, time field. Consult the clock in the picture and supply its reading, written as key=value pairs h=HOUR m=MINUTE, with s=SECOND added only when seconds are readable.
h=6 m=41
